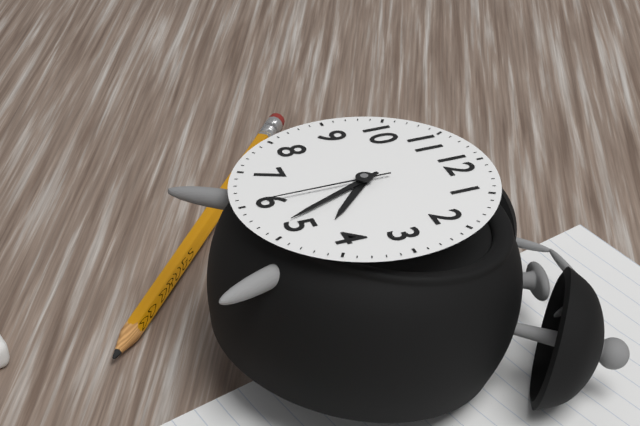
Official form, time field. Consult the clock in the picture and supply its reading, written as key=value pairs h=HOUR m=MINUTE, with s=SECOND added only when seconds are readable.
h=4 m=26 s=30
